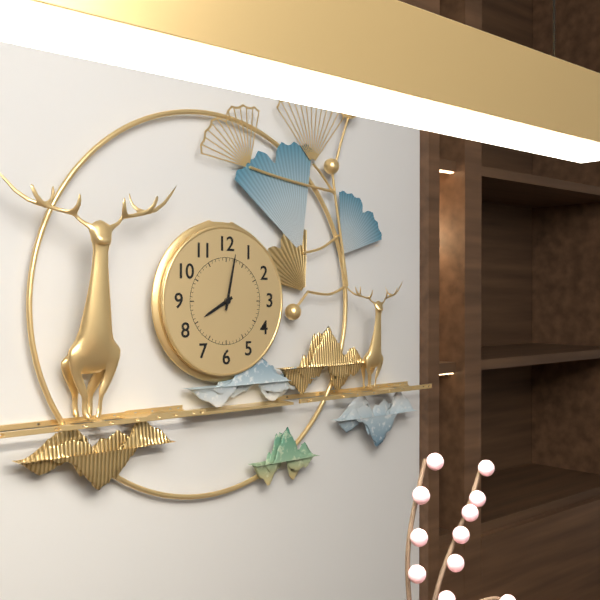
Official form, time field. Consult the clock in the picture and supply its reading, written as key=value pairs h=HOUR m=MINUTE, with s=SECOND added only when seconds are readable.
h=8 m=2
